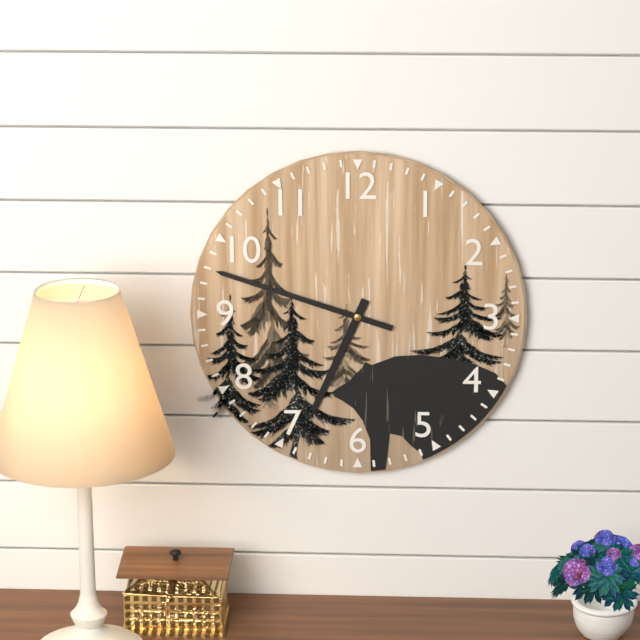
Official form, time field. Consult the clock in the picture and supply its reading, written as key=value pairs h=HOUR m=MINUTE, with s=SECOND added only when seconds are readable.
h=6 m=48
